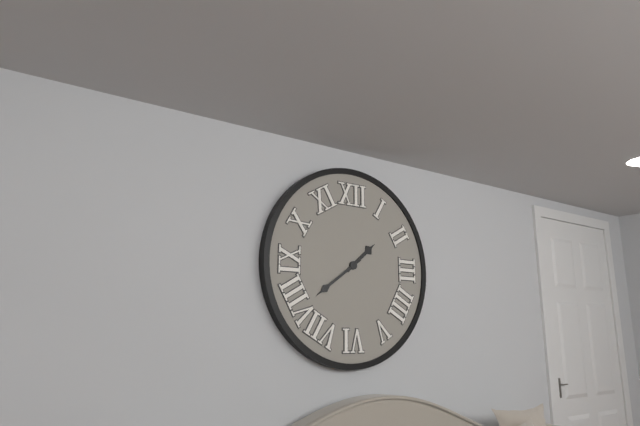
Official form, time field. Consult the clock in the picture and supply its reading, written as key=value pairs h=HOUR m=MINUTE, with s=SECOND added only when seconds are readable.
h=1 m=39
